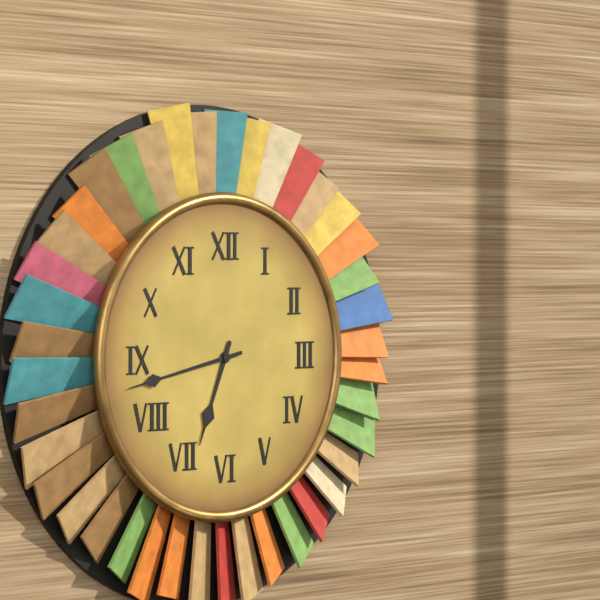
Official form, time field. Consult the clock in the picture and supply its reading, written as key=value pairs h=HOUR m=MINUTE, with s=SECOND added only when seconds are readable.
h=6 m=43
